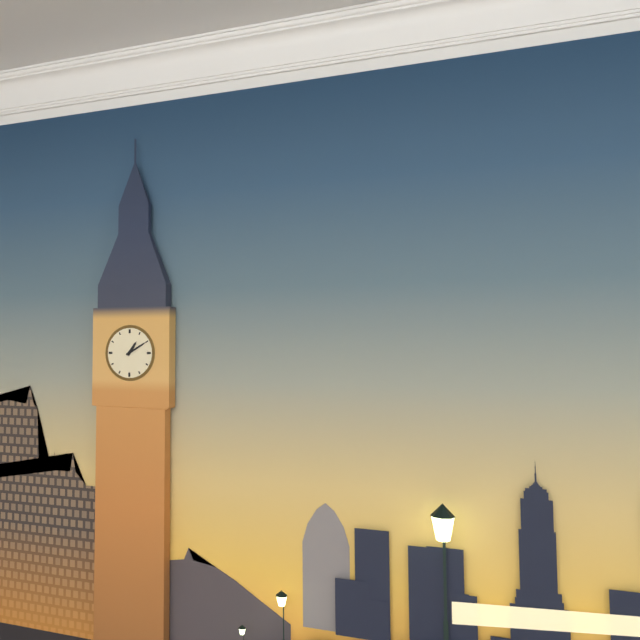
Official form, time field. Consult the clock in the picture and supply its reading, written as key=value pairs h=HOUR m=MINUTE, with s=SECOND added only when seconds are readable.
h=1 m=10
